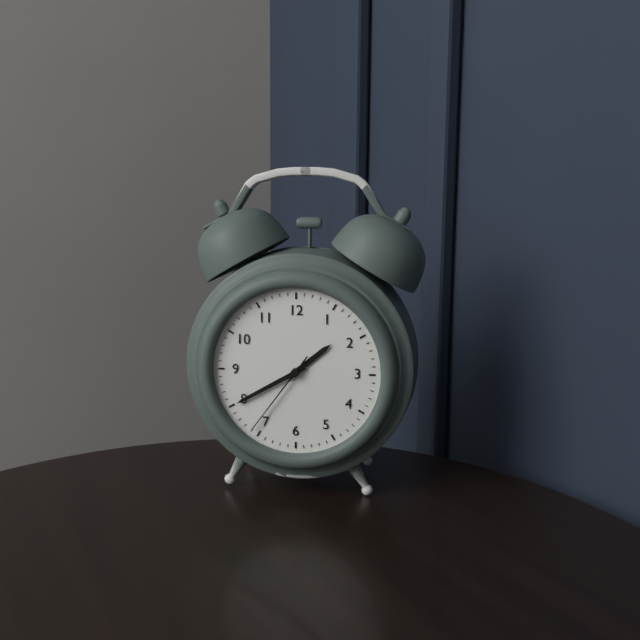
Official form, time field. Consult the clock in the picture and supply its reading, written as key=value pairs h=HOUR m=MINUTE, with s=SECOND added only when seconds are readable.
h=1 m=40 s=36
